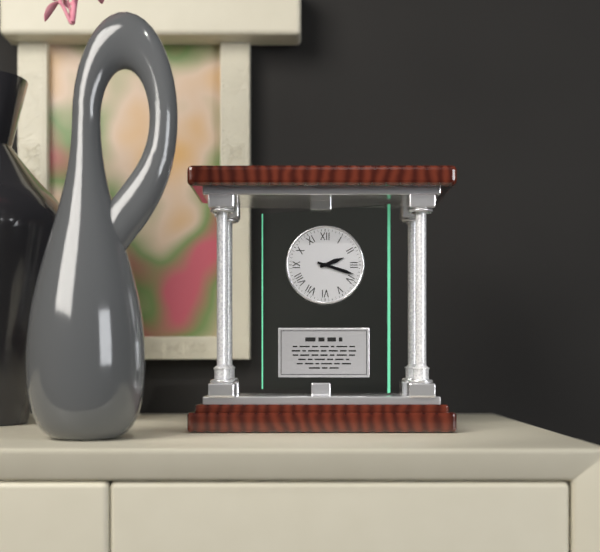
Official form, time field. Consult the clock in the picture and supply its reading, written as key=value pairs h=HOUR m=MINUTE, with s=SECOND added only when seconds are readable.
h=2 m=18
